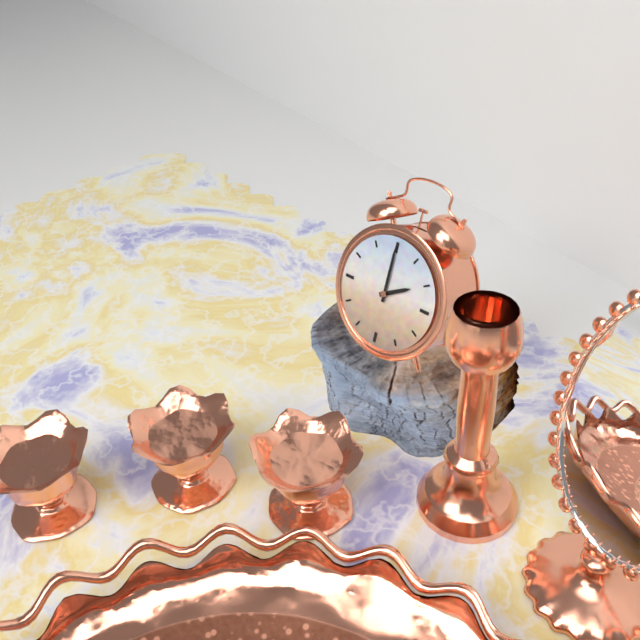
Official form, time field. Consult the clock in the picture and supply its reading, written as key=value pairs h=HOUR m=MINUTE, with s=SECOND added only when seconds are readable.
h=2 m=0
